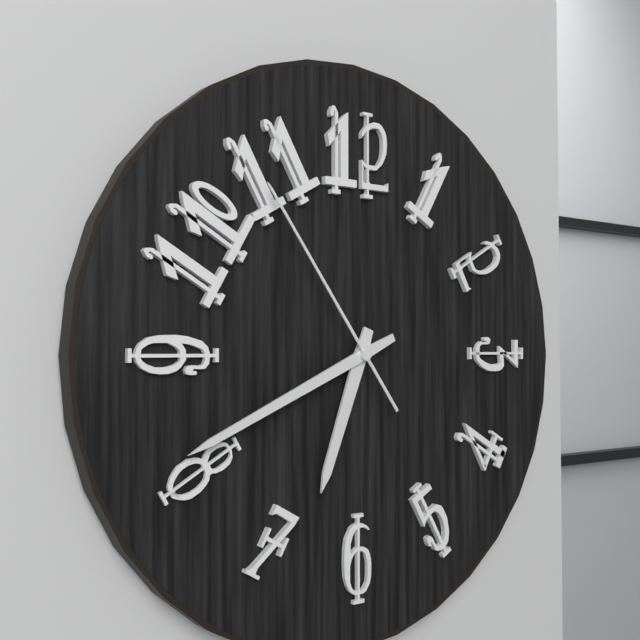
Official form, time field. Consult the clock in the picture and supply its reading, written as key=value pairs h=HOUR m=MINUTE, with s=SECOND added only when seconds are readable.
h=6 m=41 s=54
